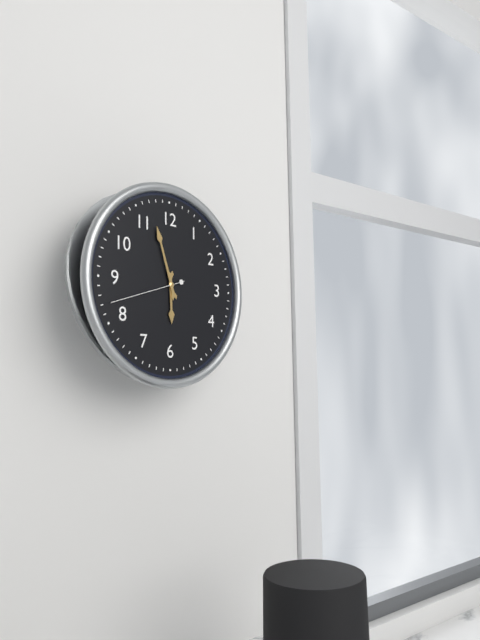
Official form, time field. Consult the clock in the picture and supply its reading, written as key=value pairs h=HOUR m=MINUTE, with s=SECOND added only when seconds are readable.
h=5 m=57 s=42
